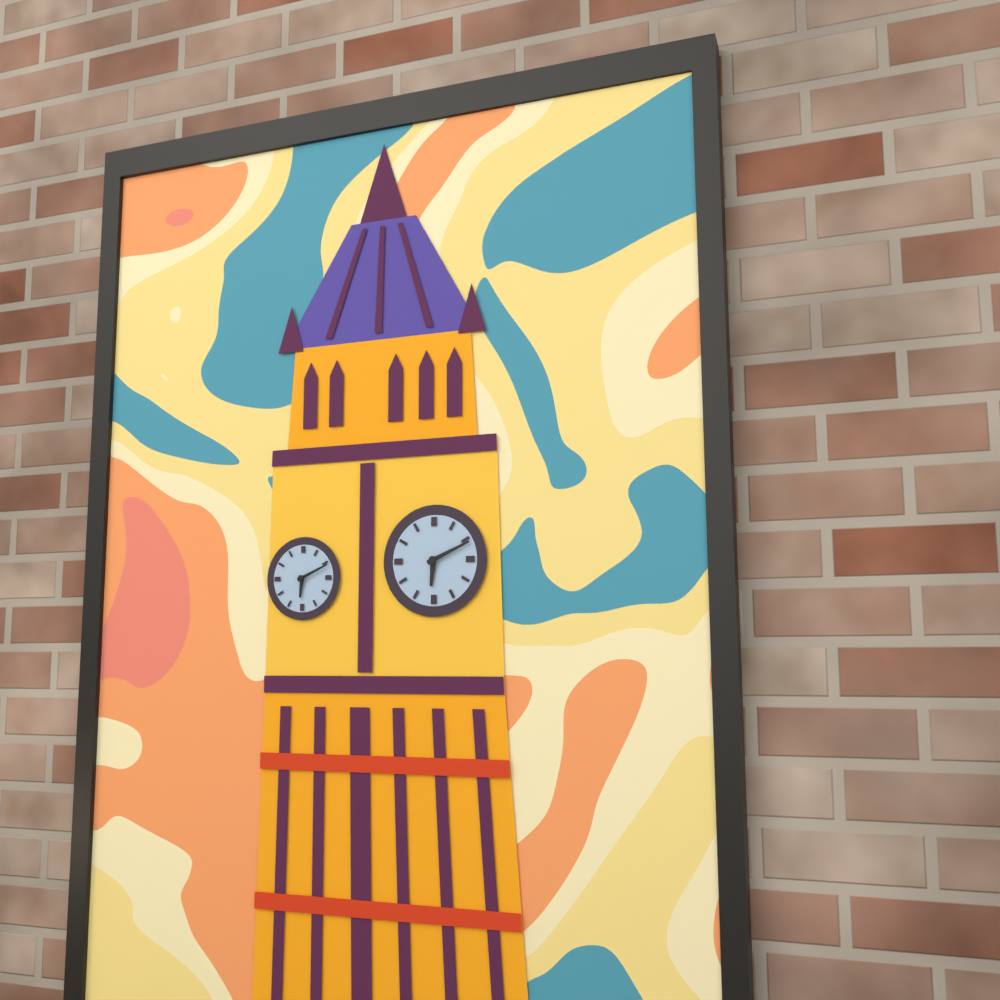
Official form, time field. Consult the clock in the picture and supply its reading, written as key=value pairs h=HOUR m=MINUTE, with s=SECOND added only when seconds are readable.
h=6 m=11
